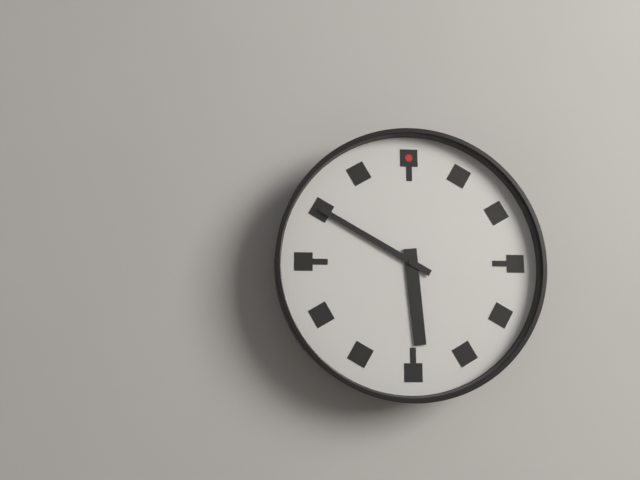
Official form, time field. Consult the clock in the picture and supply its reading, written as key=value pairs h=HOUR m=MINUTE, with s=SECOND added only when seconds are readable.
h=5 m=50
